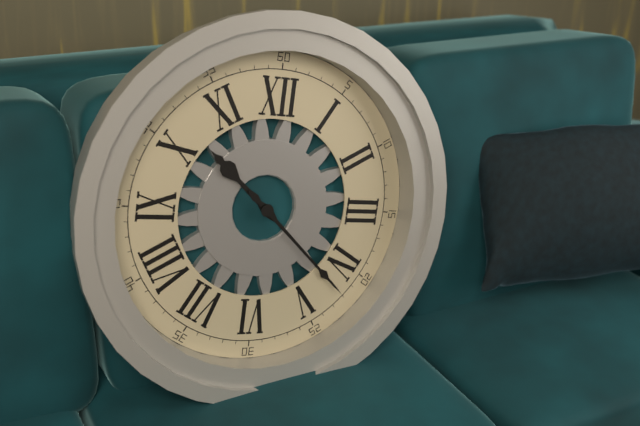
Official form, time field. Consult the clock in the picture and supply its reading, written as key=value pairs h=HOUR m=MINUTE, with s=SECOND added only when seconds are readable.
h=10 m=22
